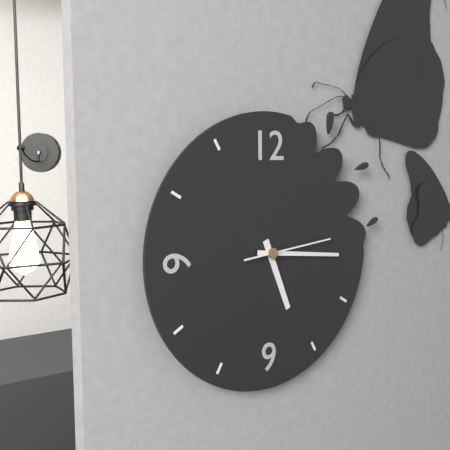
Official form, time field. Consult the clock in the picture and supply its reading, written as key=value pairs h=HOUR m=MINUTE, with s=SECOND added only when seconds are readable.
h=5 m=16 s=14
